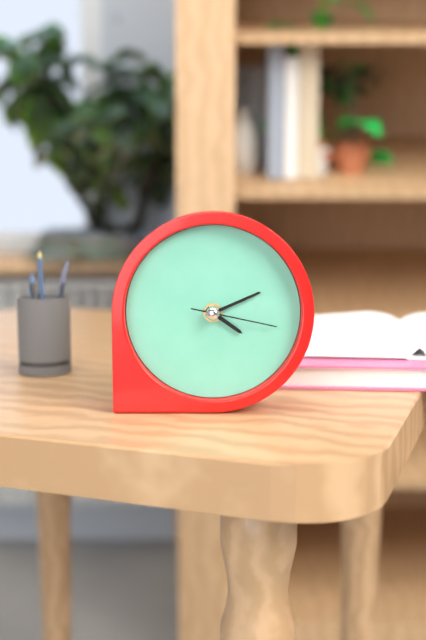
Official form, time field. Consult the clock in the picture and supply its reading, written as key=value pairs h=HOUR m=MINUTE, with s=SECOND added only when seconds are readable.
h=4 m=11 s=17
